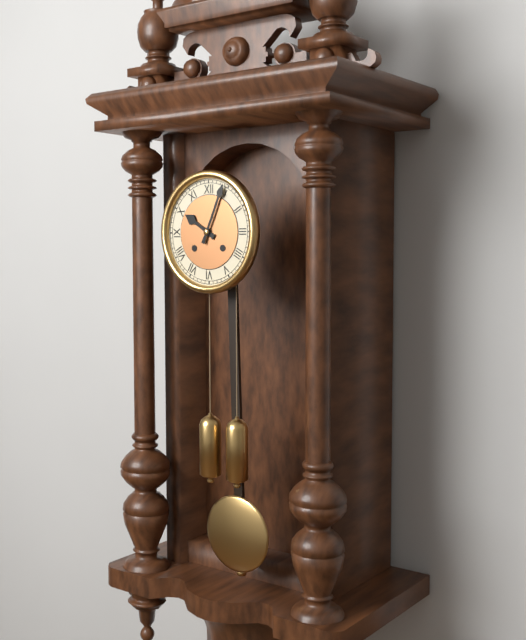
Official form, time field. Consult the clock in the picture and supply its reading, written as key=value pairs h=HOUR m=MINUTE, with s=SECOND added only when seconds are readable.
h=10 m=4
